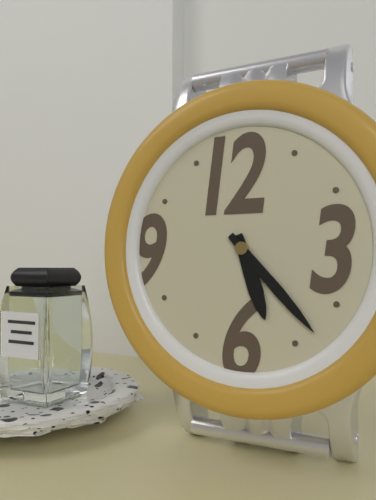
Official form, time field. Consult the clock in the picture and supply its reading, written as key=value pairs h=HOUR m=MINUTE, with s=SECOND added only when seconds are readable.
h=5 m=23
